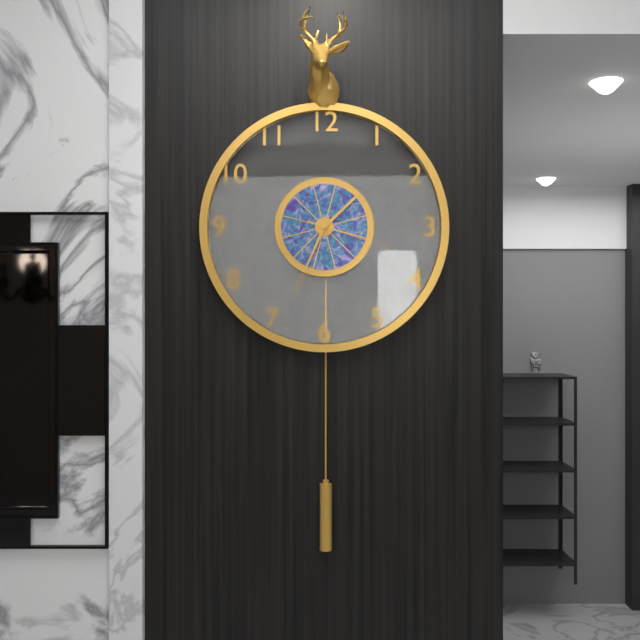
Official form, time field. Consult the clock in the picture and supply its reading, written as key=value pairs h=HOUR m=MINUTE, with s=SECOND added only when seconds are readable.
h=1 m=34 s=18
